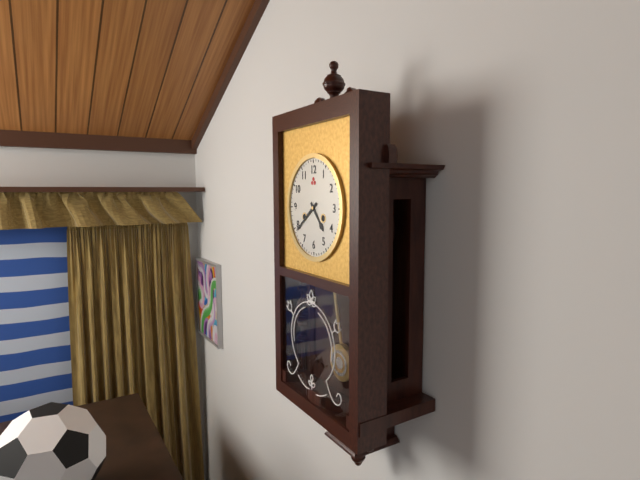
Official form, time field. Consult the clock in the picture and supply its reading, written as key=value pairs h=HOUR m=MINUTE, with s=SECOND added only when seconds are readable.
h=4 m=39
